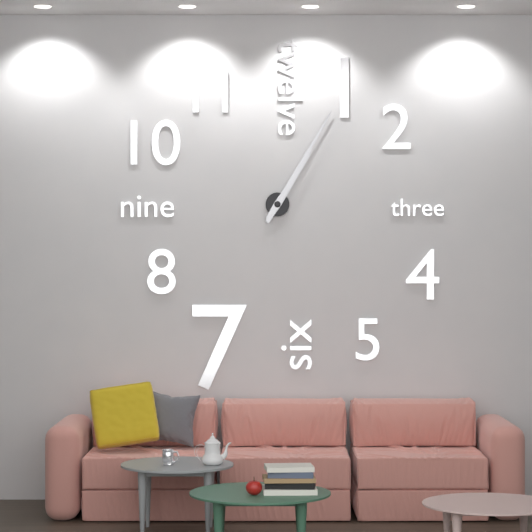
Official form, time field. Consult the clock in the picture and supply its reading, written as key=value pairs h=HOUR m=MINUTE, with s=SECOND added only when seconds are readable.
h=1 m=5
